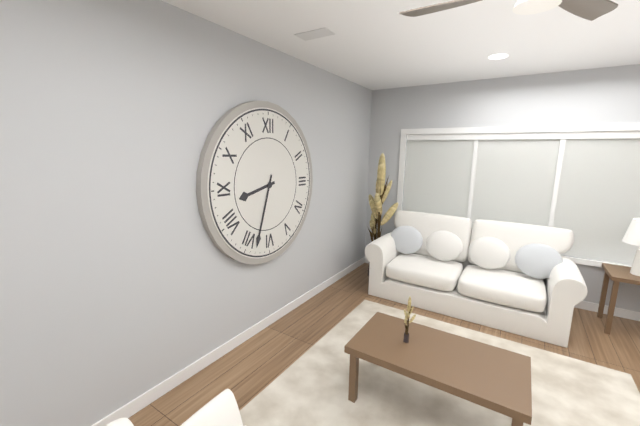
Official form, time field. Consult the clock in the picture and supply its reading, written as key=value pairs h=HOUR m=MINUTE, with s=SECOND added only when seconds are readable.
h=8 m=33
